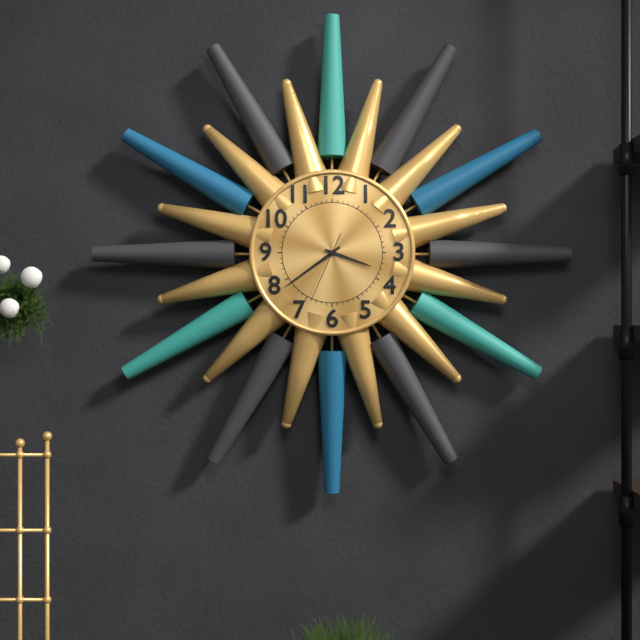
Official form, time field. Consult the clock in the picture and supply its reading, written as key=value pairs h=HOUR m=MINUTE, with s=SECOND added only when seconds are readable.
h=3 m=39 s=34
